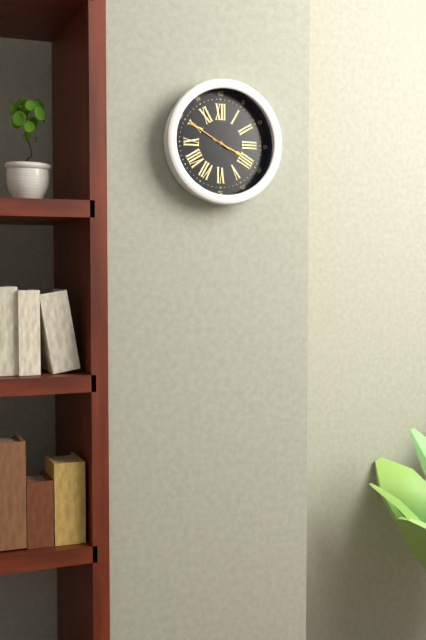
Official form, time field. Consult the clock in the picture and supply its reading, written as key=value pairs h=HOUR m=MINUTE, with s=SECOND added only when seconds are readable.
h=3 m=50 s=21
